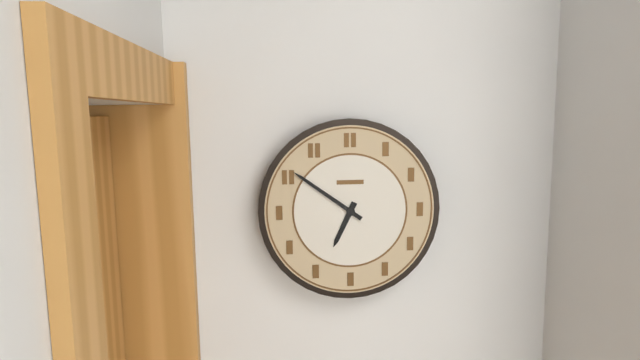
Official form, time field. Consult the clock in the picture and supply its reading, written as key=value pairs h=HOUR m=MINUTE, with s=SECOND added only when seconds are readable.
h=6 m=51
